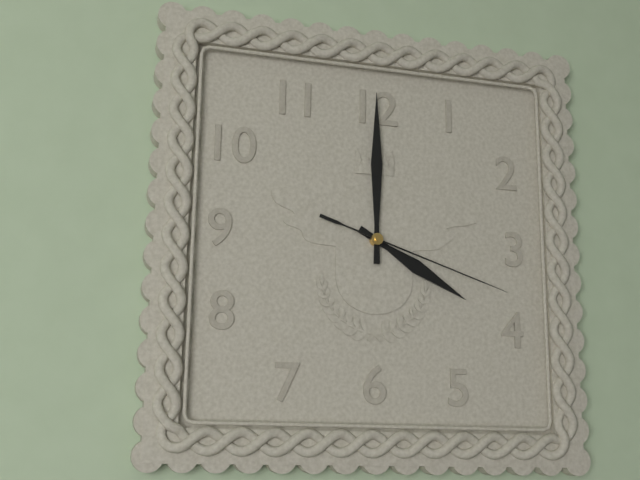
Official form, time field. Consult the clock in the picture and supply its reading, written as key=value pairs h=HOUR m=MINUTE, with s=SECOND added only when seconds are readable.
h=4 m=0 s=18
